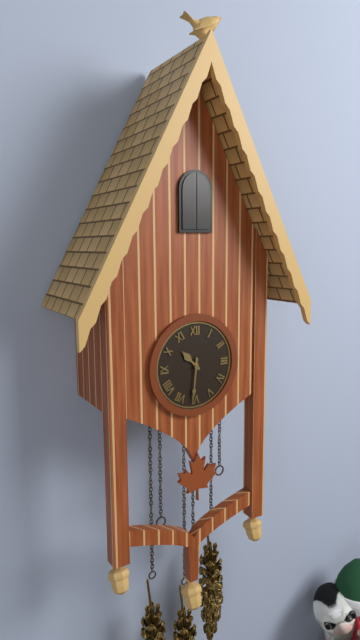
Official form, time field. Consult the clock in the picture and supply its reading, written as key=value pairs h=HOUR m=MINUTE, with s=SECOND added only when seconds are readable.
h=10 m=31
